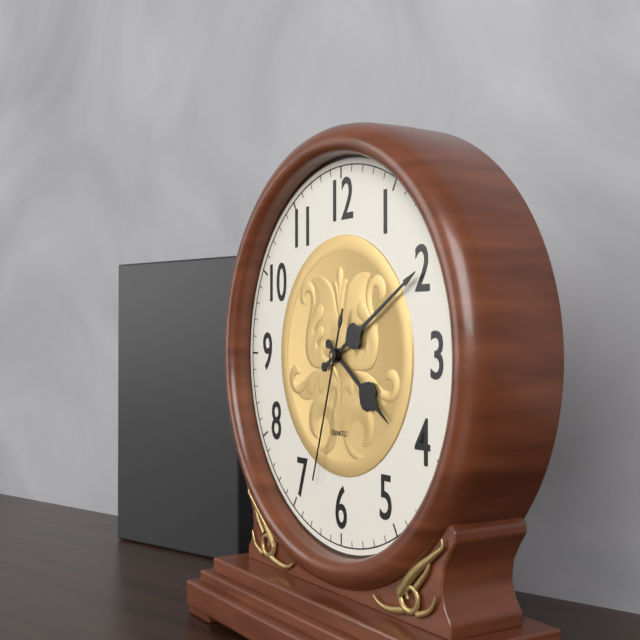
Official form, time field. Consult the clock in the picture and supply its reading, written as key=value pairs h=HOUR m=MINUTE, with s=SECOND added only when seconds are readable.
h=4 m=10 s=33
